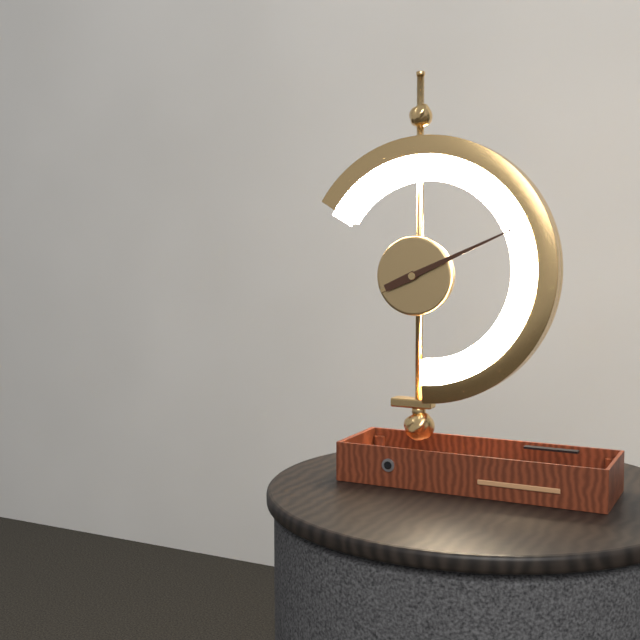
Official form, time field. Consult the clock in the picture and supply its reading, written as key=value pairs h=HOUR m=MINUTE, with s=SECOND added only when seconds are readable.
h=2 m=11
